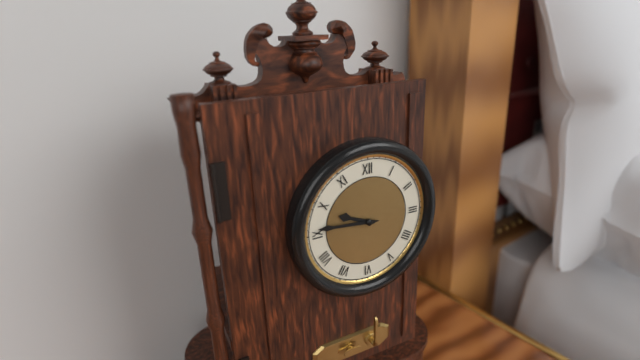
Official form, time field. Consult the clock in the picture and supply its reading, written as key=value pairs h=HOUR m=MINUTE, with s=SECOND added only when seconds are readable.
h=9 m=46
